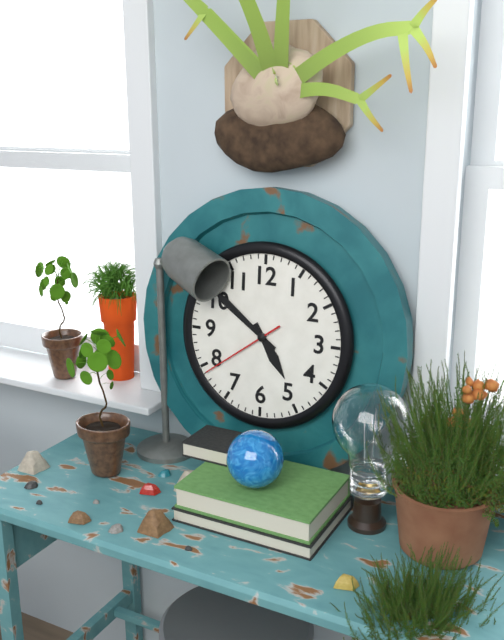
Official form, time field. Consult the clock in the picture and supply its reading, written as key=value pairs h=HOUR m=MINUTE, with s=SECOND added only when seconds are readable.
h=4 m=51 s=39
